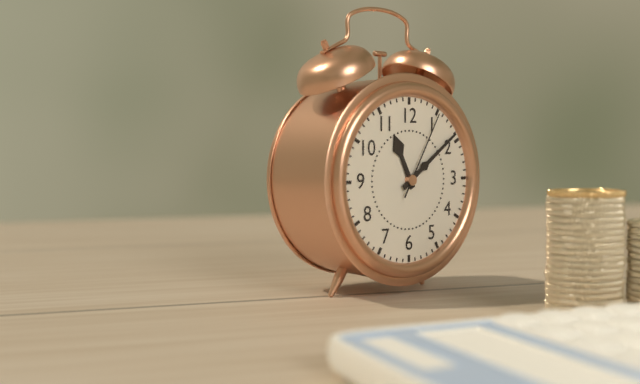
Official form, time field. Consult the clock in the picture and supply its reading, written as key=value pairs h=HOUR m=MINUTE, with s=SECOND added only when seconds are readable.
h=11 m=9 s=5
